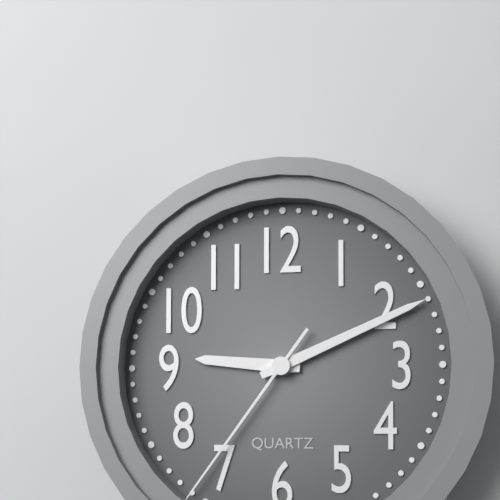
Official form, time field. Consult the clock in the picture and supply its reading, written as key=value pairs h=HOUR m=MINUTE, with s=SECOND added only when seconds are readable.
h=9 m=11
